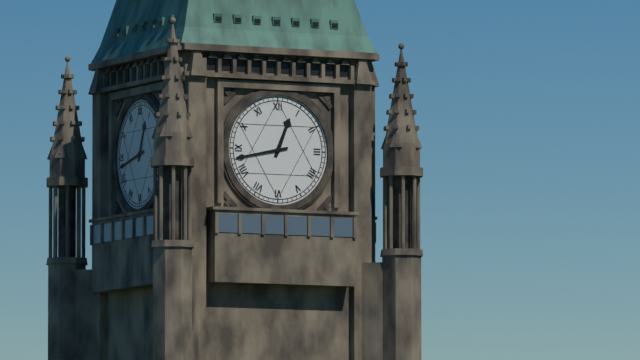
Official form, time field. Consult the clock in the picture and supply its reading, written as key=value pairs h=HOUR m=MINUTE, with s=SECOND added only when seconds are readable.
h=12 m=43
